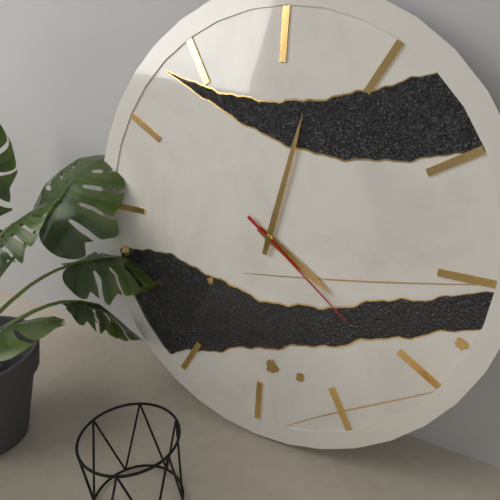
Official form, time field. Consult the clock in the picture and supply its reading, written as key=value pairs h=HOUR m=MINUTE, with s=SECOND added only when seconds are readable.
h=4 m=2 s=21
